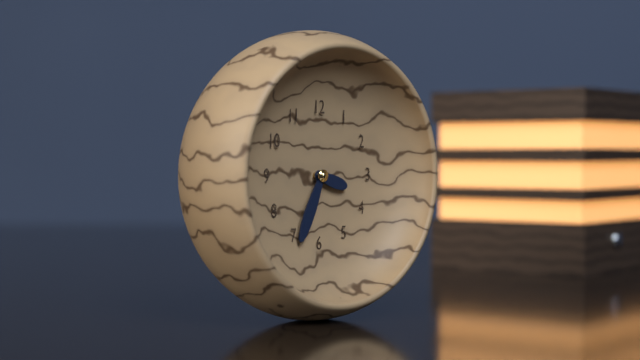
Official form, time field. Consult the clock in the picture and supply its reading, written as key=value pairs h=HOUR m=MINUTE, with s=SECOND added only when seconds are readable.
h=3 m=34
